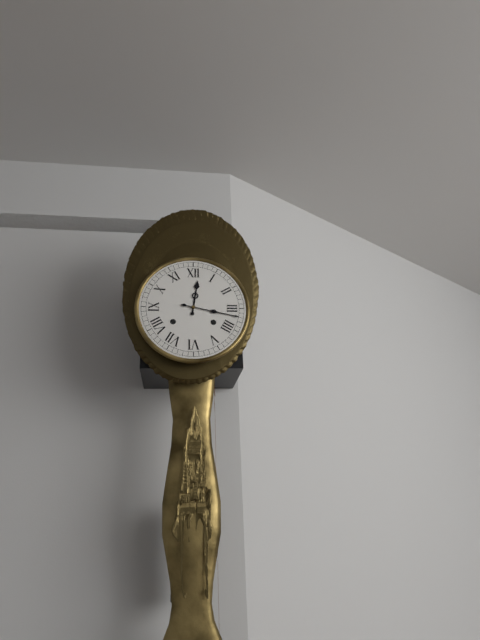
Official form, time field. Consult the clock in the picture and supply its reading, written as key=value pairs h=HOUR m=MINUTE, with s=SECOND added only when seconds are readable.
h=12 m=17
